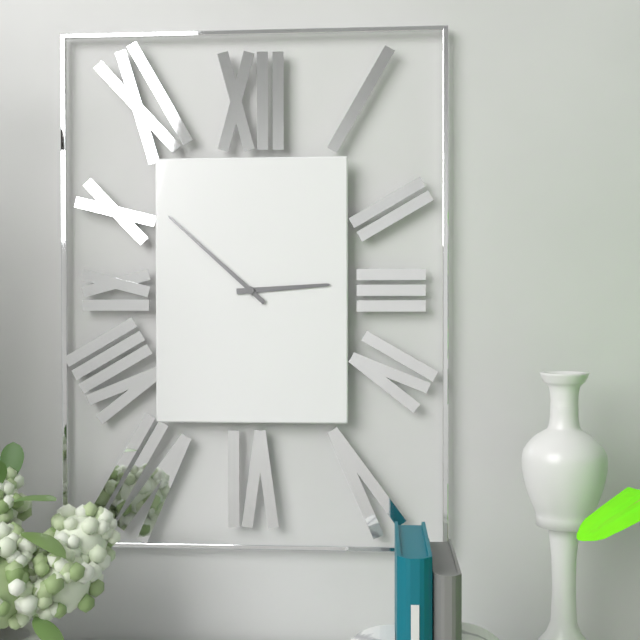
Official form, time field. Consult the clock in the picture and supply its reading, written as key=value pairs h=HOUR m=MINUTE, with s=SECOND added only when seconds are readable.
h=2 m=52
